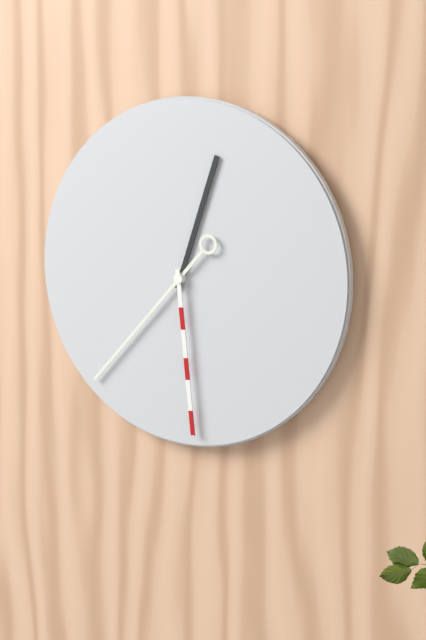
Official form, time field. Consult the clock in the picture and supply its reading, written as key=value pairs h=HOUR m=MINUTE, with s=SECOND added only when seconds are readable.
h=12 m=37 s=29
